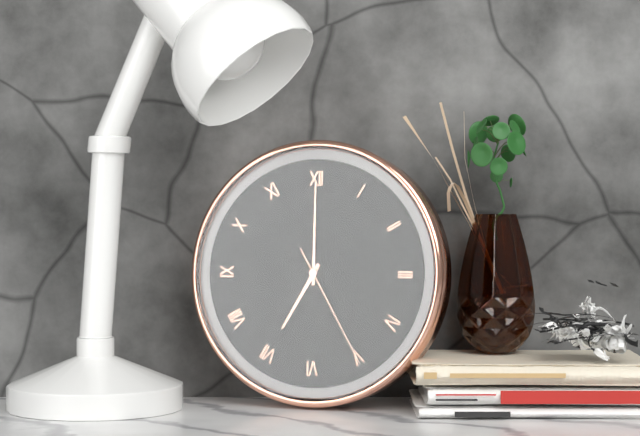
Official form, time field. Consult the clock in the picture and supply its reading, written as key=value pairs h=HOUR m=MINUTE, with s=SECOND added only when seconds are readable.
h=7 m=0 s=25
